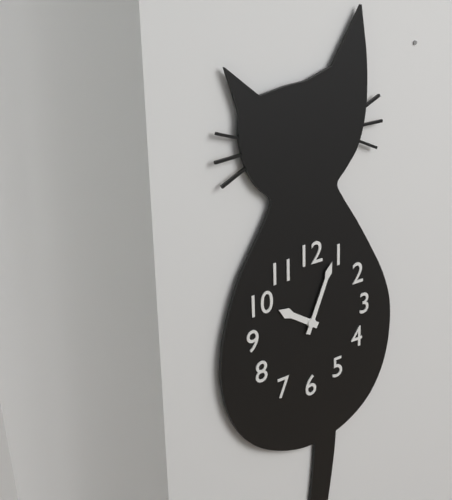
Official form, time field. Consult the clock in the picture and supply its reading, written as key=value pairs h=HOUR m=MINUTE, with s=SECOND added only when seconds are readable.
h=10 m=4
